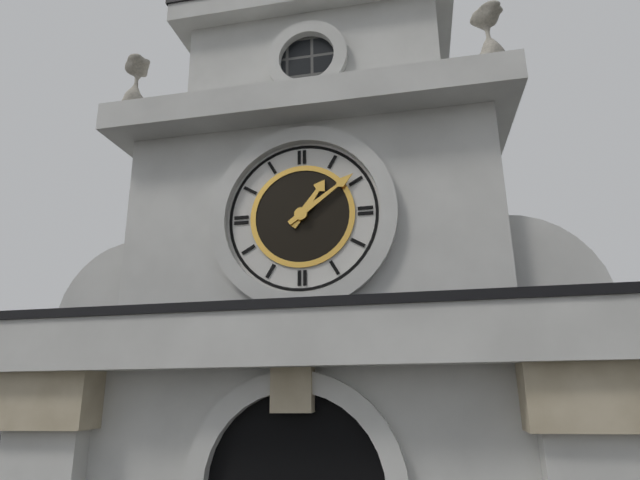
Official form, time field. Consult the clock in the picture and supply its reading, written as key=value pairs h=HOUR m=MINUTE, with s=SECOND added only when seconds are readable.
h=1 m=9
